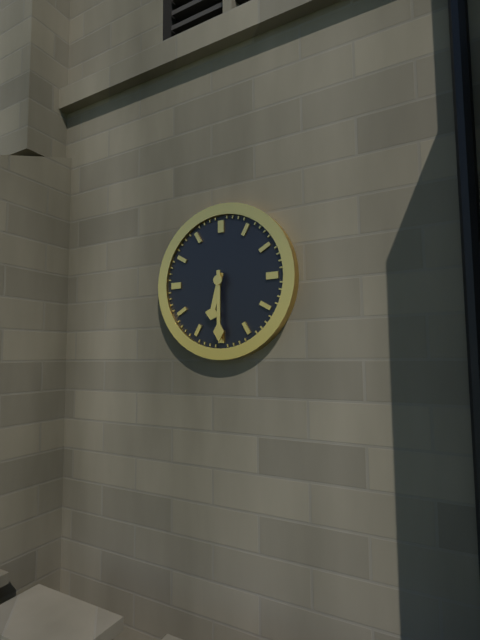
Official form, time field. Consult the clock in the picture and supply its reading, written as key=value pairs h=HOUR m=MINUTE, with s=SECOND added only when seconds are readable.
h=6 m=30
